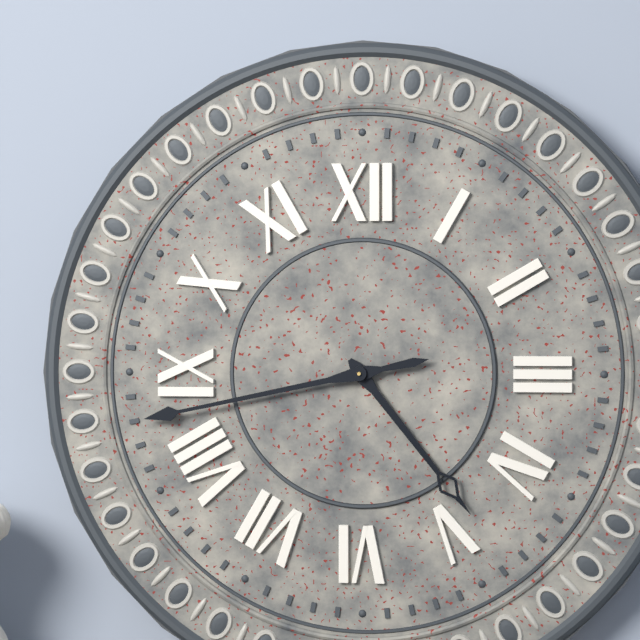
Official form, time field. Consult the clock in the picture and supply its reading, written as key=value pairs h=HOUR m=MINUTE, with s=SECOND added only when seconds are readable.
h=4 m=43
